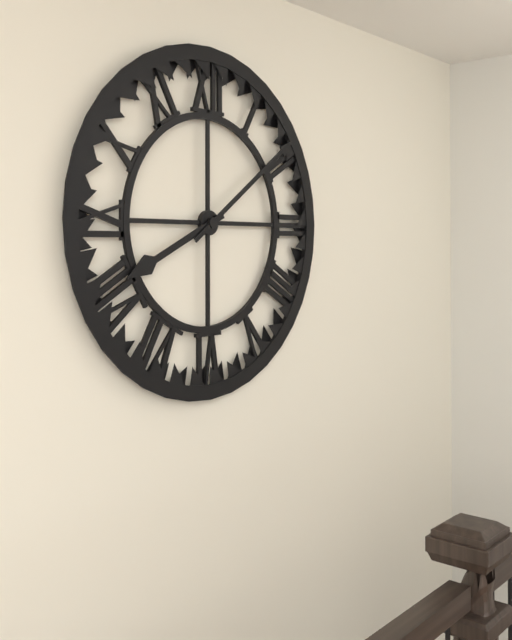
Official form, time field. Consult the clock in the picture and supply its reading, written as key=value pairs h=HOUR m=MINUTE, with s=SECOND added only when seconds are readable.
h=8 m=9
